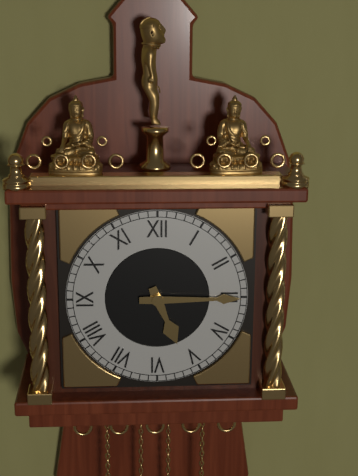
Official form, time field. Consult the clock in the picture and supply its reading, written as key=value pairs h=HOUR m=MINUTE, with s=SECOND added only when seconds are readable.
h=5 m=15
